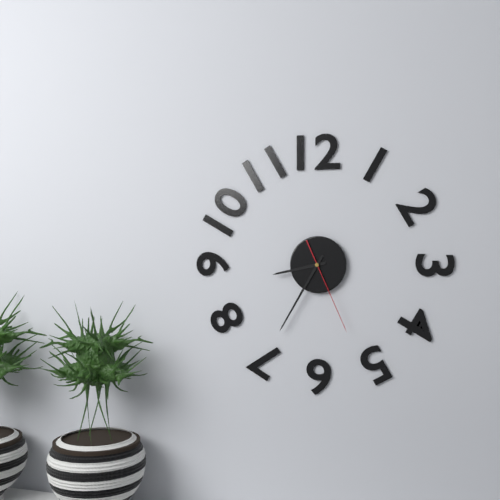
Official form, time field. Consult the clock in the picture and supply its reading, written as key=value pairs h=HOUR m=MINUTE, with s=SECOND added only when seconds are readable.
h=8 m=35 s=26
